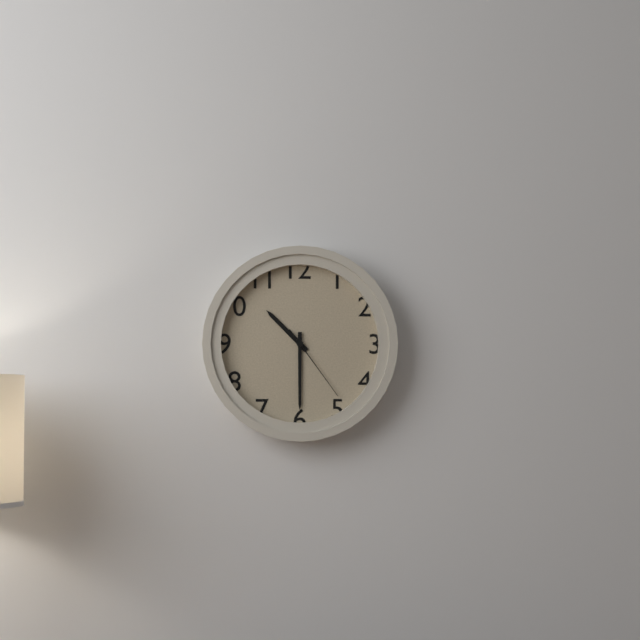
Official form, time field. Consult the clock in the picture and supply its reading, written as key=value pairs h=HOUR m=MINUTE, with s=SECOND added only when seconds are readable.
h=10 m=30 s=24
